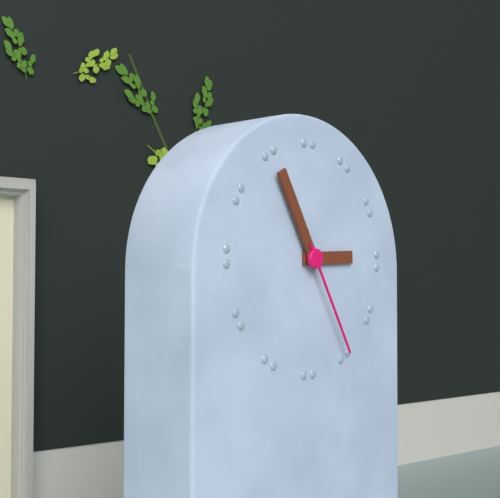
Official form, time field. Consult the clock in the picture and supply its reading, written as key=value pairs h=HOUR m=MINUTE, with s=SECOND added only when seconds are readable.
h=2 m=55 s=25
